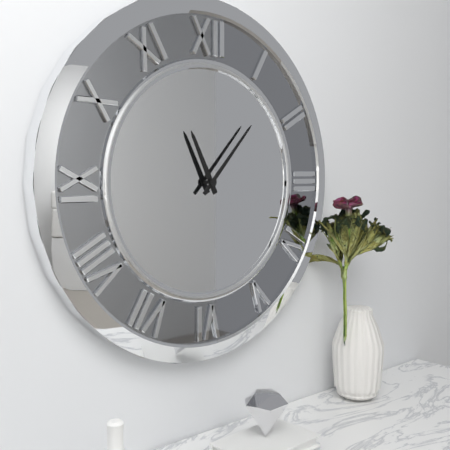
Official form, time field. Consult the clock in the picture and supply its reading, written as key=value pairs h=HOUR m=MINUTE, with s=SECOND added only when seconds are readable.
h=11 m=7
